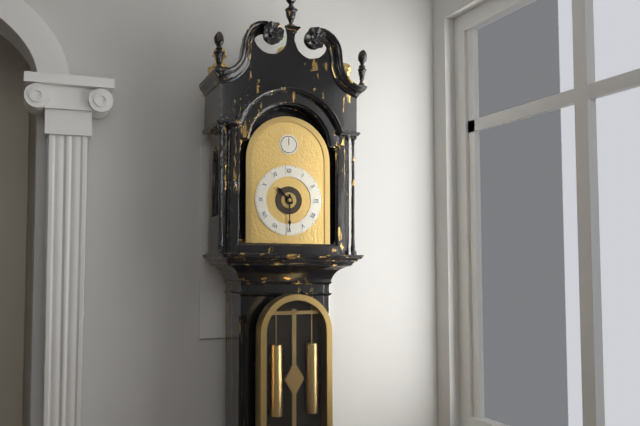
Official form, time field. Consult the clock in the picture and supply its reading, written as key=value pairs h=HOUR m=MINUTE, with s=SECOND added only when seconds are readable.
h=10 m=30
